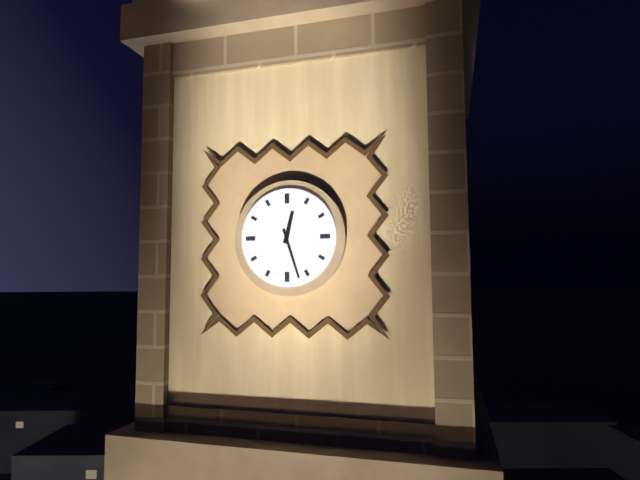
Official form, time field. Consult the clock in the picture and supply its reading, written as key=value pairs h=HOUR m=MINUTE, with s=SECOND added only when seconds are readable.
h=12 m=27
